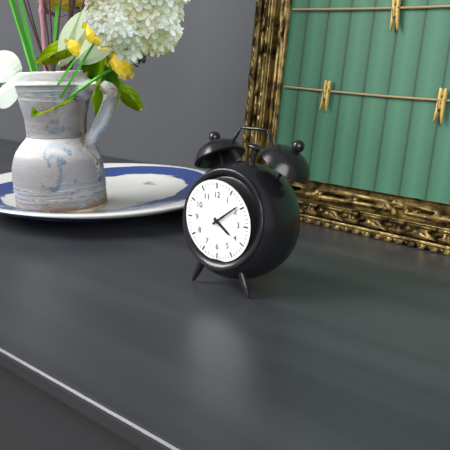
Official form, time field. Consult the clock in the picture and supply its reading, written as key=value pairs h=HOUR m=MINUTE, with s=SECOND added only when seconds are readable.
h=4 m=9
